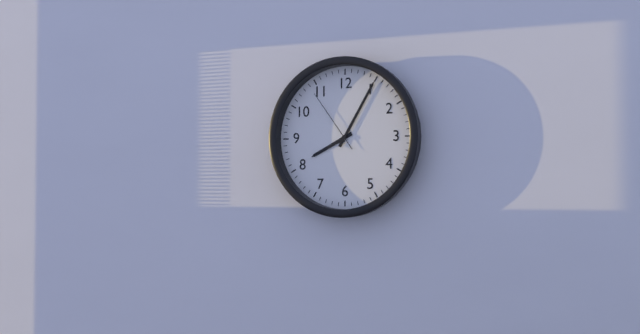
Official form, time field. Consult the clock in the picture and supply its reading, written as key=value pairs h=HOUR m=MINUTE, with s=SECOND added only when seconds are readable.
h=8 m=5 s=54
